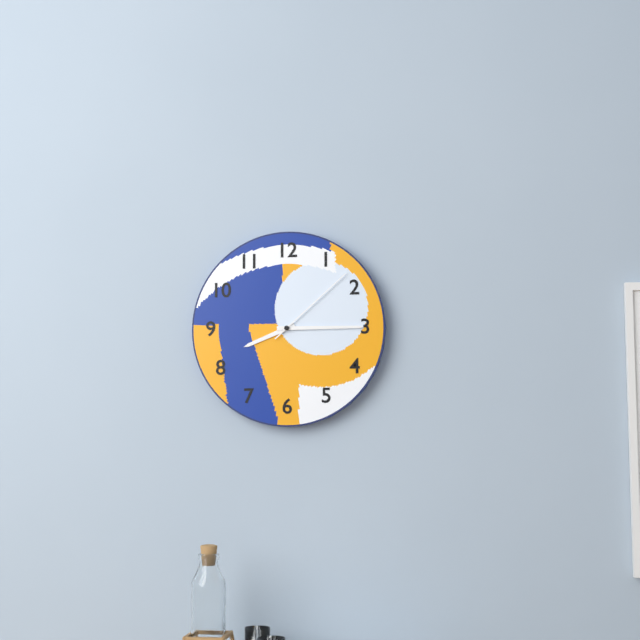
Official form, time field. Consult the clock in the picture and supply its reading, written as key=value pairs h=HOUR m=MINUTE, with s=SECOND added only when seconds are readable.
h=8 m=15 s=8
